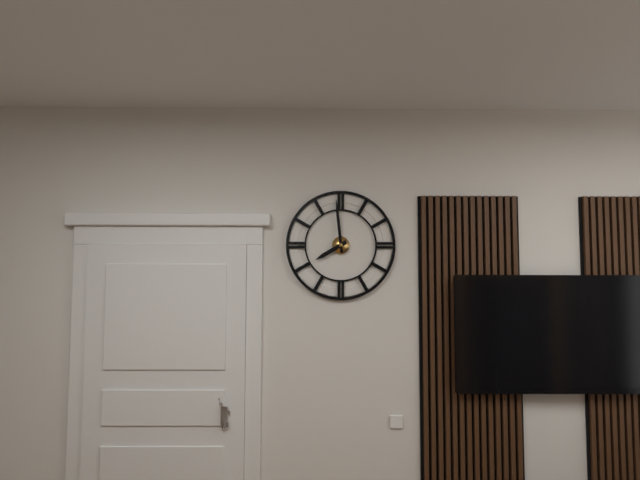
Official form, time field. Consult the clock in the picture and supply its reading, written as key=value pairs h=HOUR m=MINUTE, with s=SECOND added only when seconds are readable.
h=7 m=59
